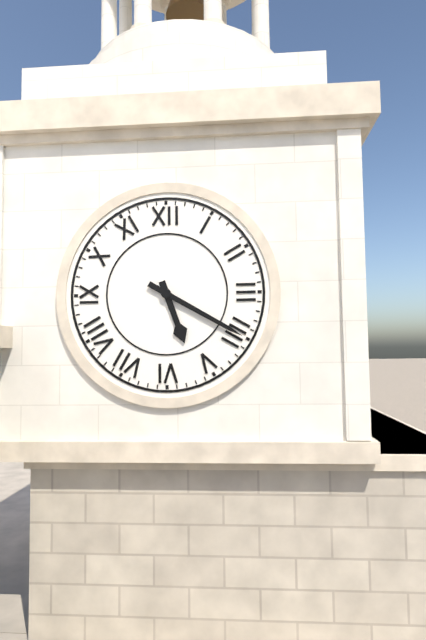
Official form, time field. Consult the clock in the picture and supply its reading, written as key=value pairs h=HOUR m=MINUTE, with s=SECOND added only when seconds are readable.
h=5 m=20
